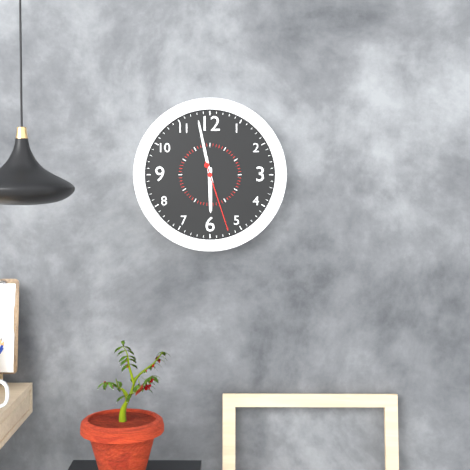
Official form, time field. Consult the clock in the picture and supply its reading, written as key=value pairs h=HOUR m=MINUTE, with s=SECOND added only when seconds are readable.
h=5 m=58 s=27
